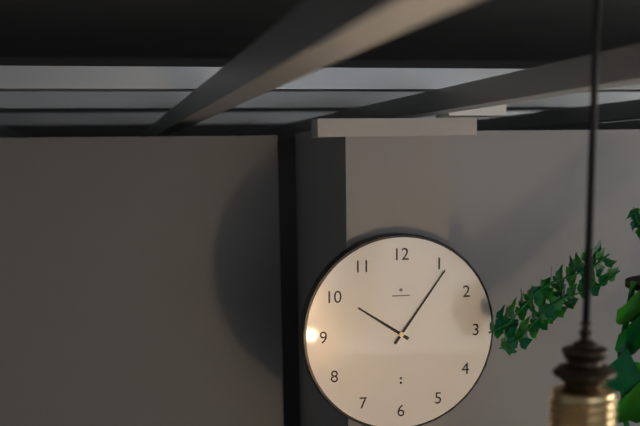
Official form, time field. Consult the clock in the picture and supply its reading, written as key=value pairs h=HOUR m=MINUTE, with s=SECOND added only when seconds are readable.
h=10 m=6
